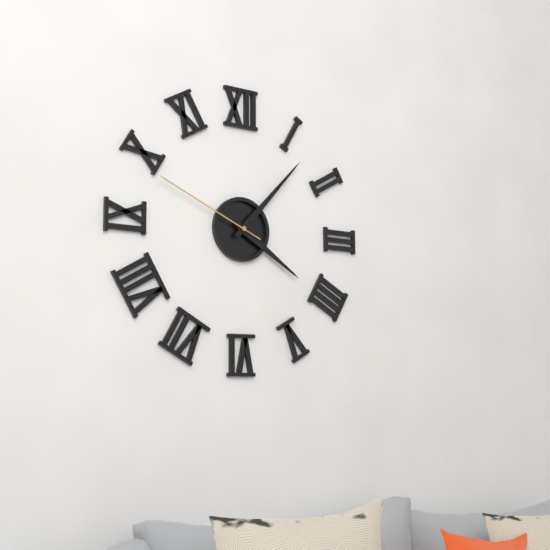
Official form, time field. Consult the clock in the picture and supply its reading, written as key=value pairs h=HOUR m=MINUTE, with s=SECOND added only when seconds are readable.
h=4 m=7 s=49
